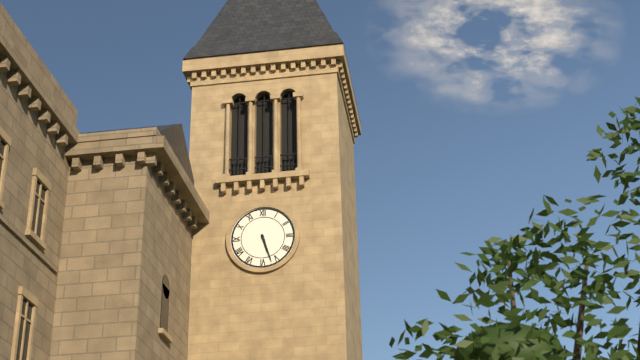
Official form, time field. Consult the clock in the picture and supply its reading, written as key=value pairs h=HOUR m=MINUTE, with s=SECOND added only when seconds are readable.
h=5 m=27
